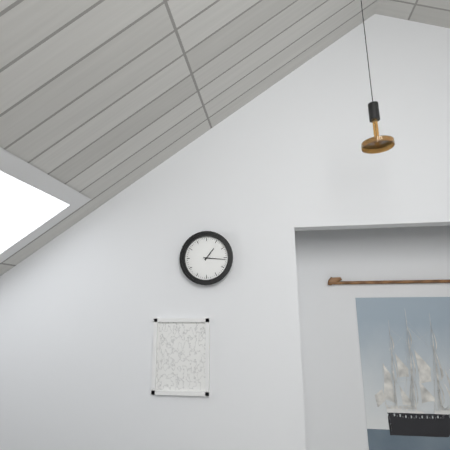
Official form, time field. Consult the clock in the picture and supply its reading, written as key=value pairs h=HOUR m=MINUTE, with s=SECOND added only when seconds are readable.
h=1 m=16
